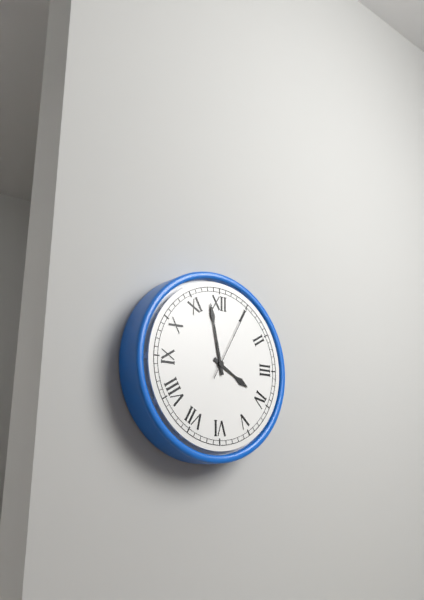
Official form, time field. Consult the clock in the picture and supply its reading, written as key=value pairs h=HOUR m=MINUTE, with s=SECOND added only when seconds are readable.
h=3 m=58 s=5
